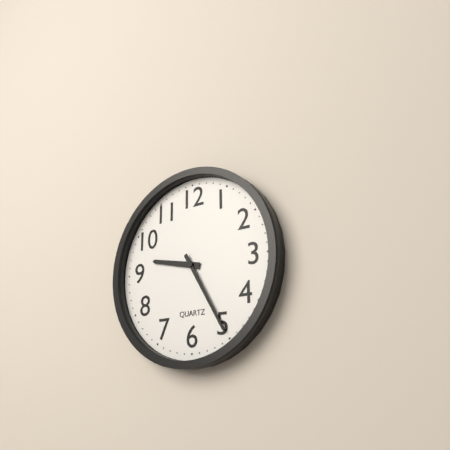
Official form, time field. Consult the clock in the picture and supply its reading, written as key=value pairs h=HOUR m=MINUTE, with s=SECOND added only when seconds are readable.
h=9 m=25
